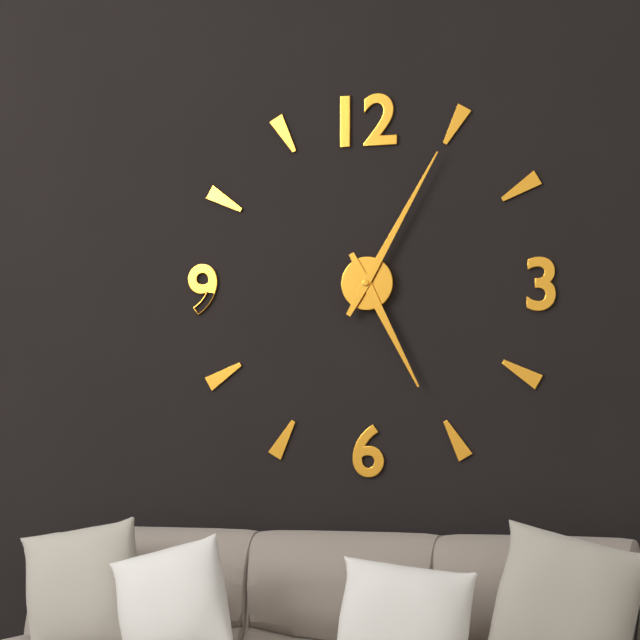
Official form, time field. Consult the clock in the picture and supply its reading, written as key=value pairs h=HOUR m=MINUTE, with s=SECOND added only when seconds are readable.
h=5 m=5
